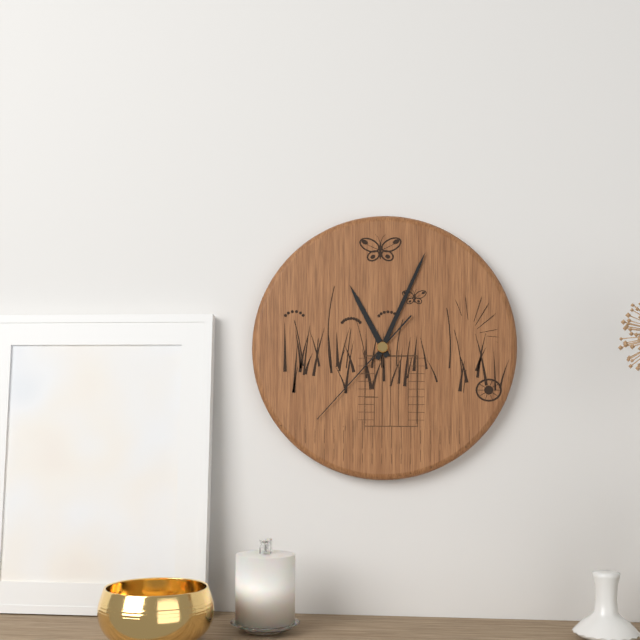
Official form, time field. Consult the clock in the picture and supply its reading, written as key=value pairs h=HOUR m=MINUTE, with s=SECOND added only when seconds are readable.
h=11 m=4 s=37
